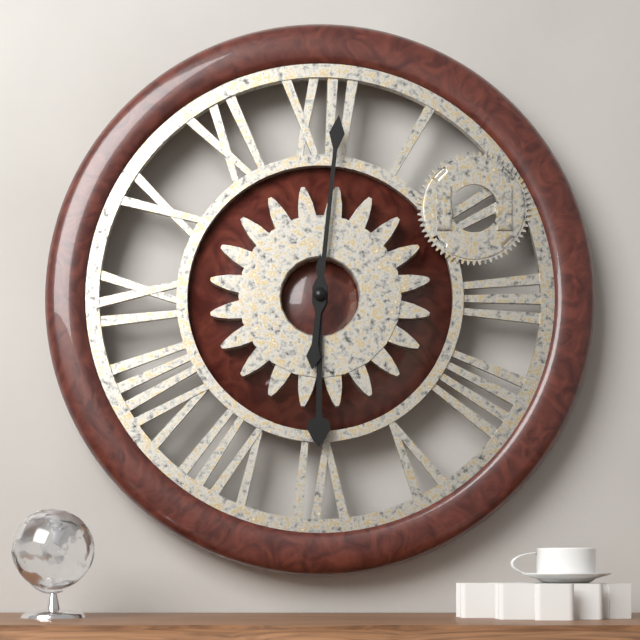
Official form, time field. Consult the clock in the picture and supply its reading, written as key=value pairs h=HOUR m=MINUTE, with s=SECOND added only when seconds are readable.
h=6 m=1
